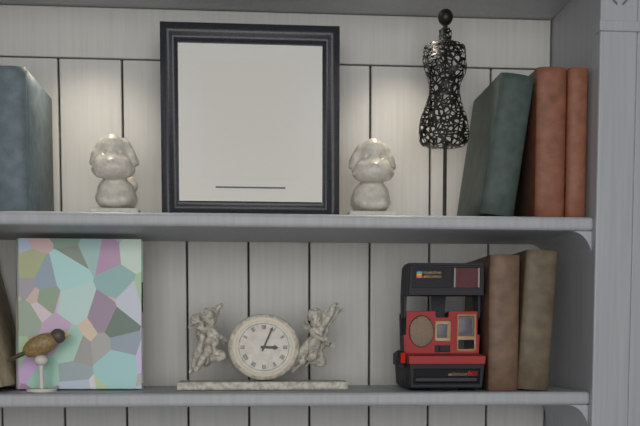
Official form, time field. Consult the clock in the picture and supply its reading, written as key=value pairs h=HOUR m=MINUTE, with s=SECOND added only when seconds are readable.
h=3 m=4
